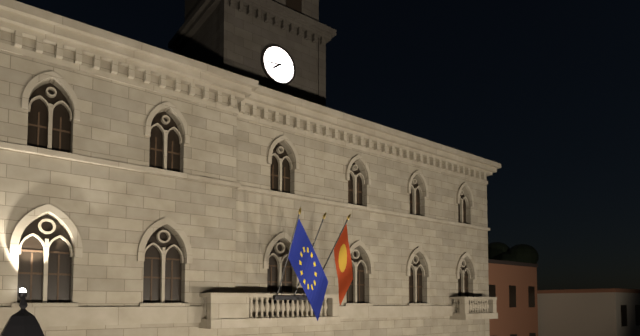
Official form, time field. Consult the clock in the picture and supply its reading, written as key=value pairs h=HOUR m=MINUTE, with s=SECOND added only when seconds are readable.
h=7 m=44
